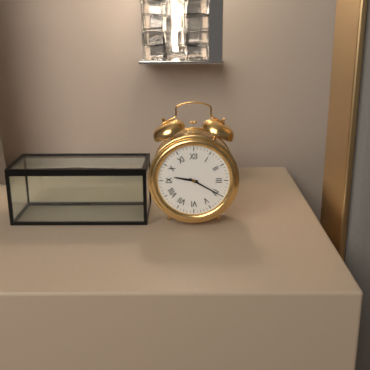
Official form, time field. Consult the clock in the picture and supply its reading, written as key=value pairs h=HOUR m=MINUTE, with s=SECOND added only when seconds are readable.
h=9 m=20
